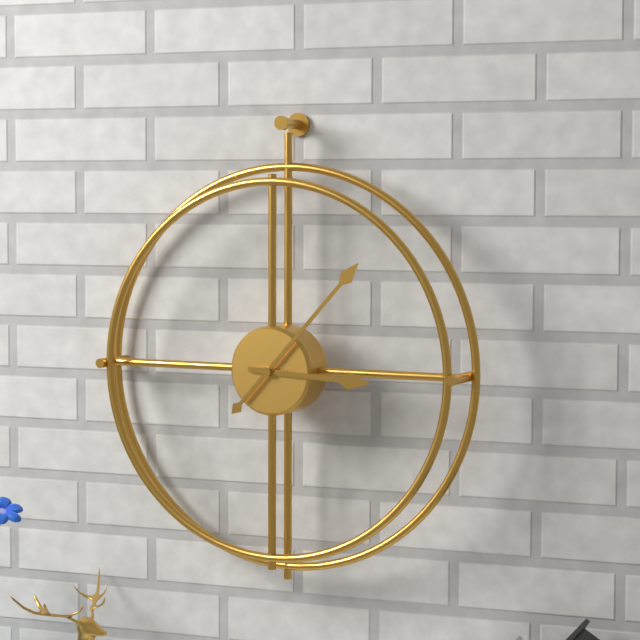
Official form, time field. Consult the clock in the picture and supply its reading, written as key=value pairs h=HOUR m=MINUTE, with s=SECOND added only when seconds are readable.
h=3 m=7
